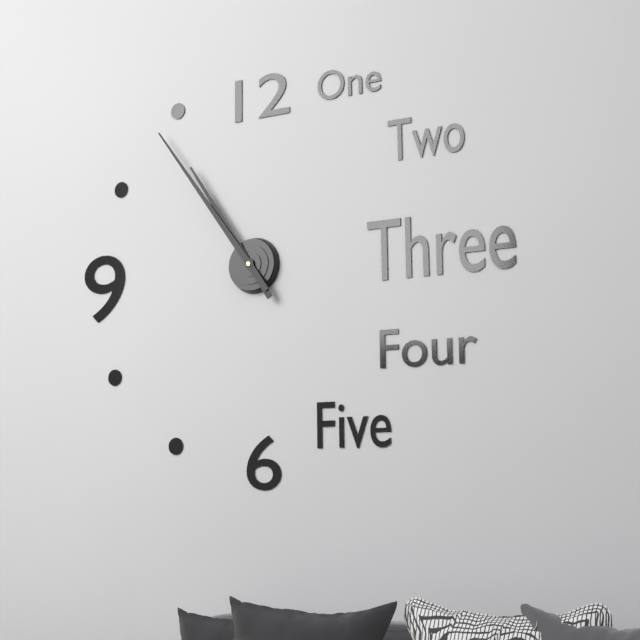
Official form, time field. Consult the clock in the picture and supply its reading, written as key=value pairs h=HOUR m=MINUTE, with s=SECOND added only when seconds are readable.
h=10 m=54
